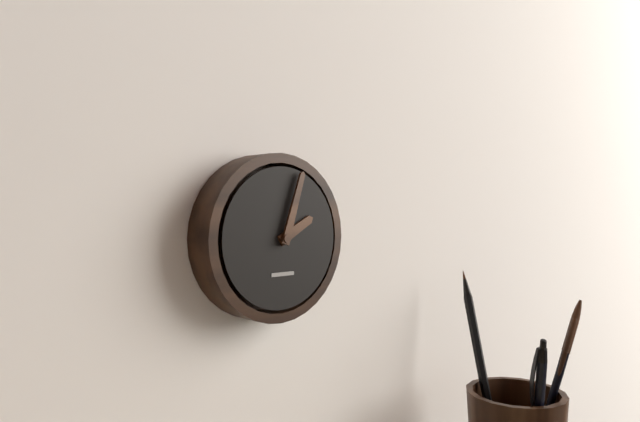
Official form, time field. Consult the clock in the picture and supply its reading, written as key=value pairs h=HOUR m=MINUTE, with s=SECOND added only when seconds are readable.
h=2 m=3
